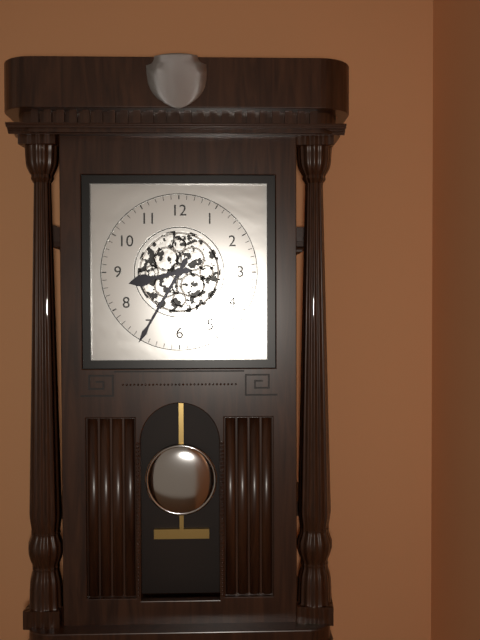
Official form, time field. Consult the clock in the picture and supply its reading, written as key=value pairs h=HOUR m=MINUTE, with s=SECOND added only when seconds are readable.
h=8 m=35
